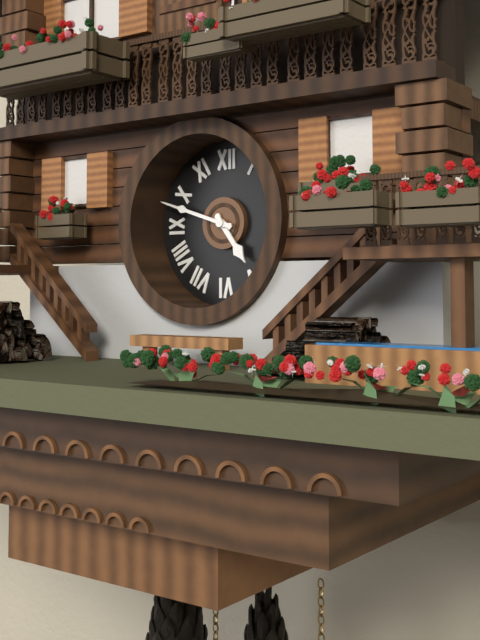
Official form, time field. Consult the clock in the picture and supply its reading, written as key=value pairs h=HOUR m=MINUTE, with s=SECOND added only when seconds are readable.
h=4 m=48
